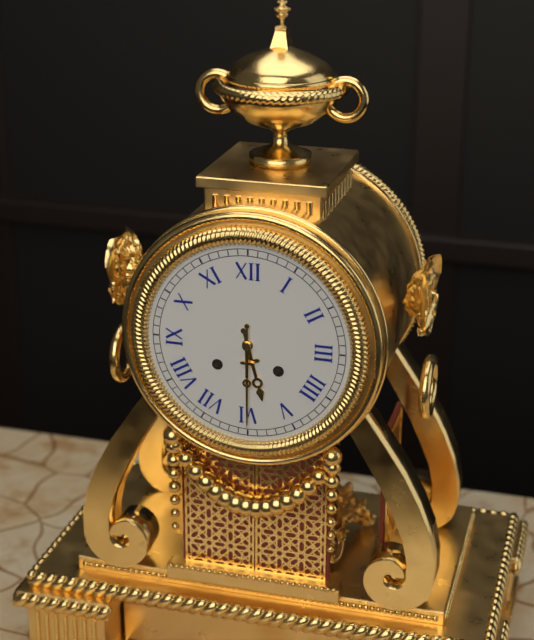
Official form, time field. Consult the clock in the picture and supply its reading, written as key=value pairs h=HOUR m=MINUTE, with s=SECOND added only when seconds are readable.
h=5 m=30
